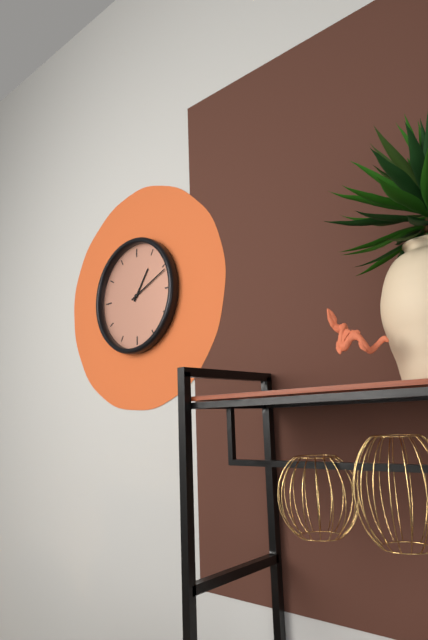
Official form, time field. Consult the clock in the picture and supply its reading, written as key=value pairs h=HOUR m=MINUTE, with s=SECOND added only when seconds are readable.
h=1 m=11
